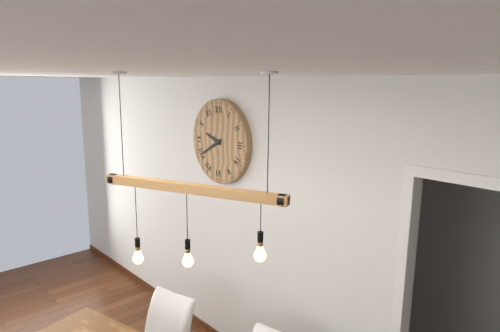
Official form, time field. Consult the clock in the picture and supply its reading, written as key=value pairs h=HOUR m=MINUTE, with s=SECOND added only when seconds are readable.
h=9 m=40
